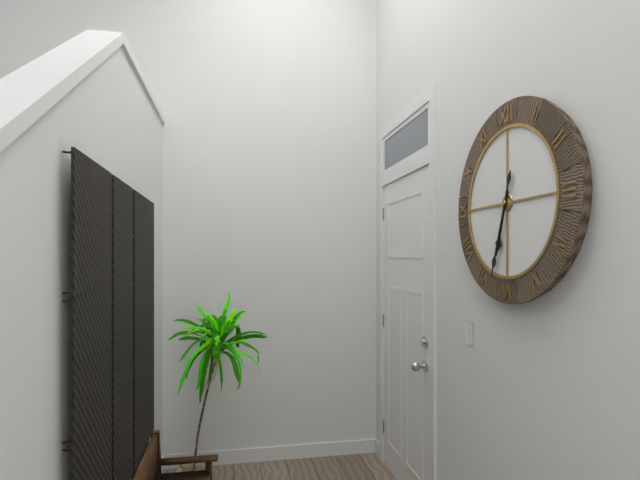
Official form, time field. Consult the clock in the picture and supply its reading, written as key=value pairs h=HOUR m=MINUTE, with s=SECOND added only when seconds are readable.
h=6 m=33
